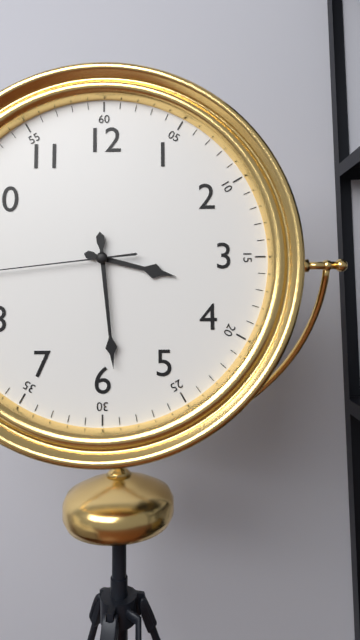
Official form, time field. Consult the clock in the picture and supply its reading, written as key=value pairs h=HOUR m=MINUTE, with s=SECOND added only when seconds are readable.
h=3 m=29
